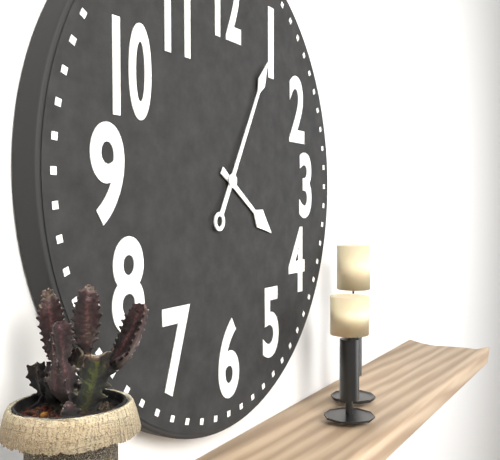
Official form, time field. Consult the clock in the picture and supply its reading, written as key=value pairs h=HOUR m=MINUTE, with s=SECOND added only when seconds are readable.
h=4 m=5
